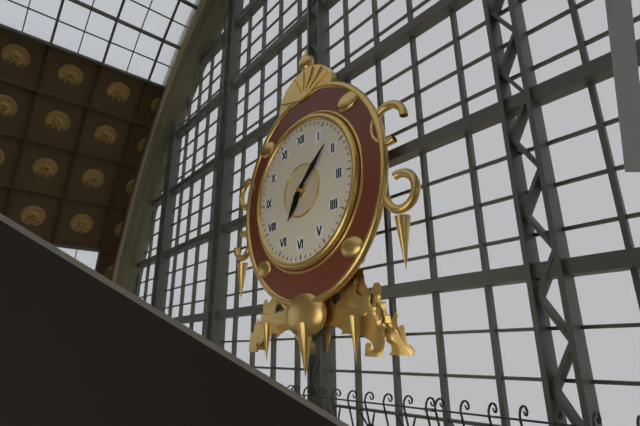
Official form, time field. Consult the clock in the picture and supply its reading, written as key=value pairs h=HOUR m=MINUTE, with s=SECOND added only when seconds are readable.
h=7 m=8
